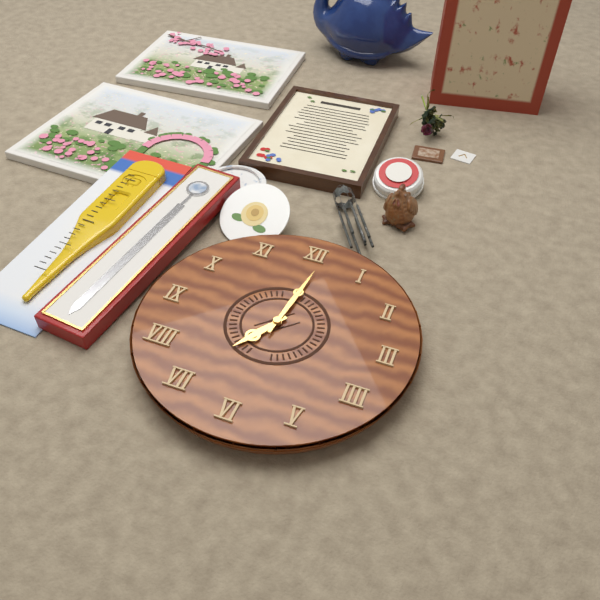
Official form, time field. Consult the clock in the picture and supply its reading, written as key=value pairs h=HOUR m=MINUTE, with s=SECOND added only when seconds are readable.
h=7 m=1
